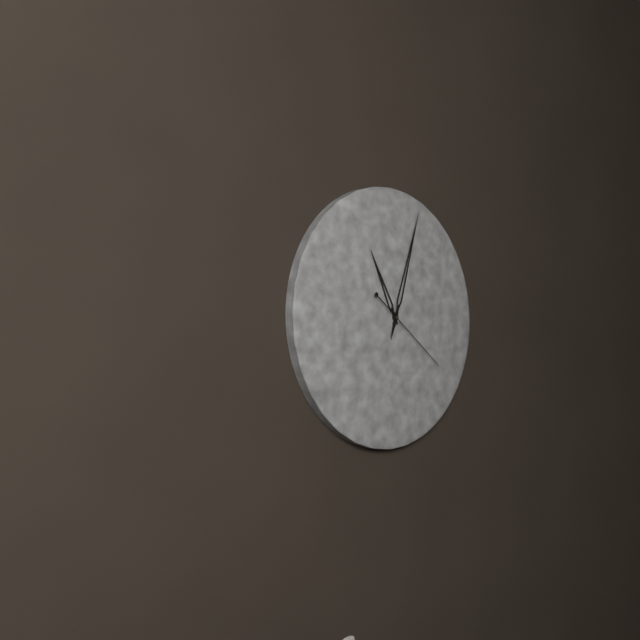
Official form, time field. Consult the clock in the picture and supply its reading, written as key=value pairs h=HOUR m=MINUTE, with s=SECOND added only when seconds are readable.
h=11 m=3 s=21
